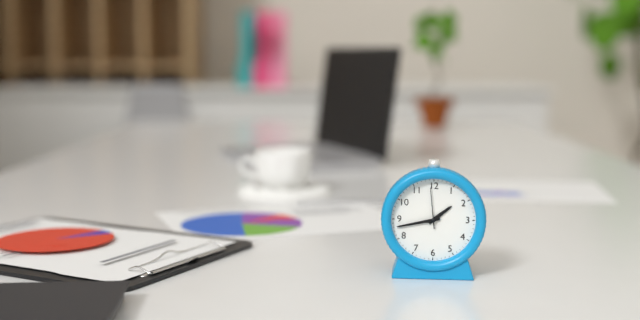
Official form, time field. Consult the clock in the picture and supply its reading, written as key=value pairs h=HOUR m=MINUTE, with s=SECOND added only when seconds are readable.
h=1 m=43
